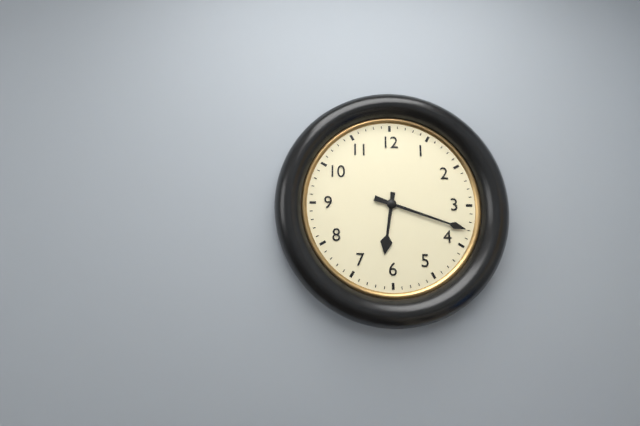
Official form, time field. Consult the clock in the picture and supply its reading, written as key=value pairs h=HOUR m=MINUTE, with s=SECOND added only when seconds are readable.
h=6 m=18
